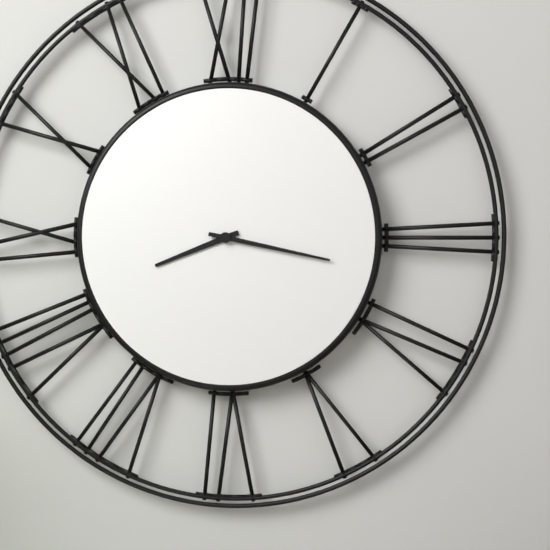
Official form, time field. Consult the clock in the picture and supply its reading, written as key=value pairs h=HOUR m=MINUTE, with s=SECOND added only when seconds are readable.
h=8 m=17
